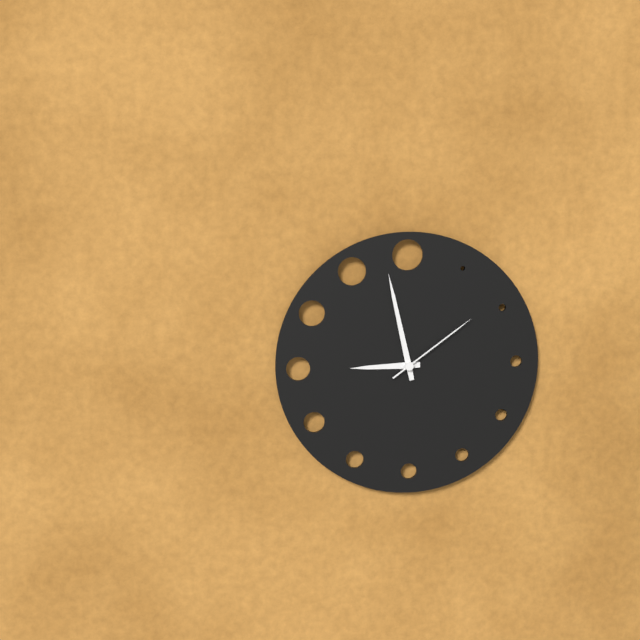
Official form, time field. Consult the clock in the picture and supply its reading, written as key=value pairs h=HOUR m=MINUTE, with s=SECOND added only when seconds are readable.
h=8 m=58 s=9
